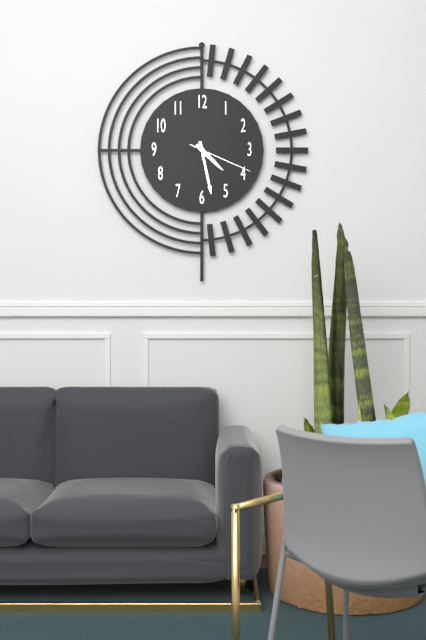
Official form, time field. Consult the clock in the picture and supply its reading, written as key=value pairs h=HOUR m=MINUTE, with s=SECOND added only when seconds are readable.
h=4 m=28 s=19
